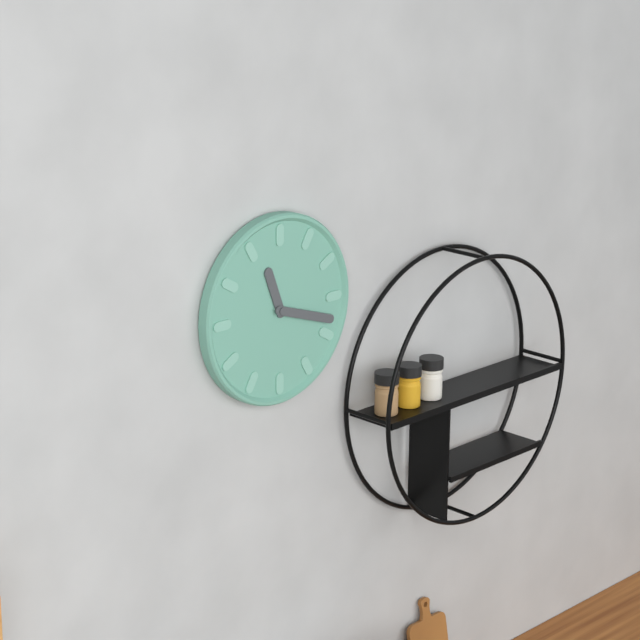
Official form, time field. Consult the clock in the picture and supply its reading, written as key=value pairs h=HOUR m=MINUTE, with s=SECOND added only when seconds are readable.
h=11 m=18
